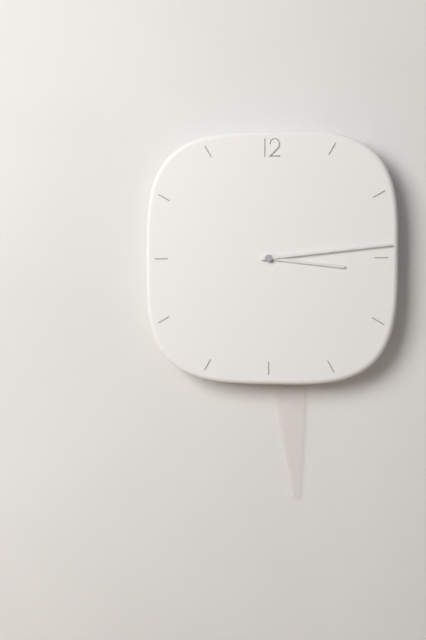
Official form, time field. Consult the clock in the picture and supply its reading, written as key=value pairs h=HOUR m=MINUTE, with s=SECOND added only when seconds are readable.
h=3 m=14
